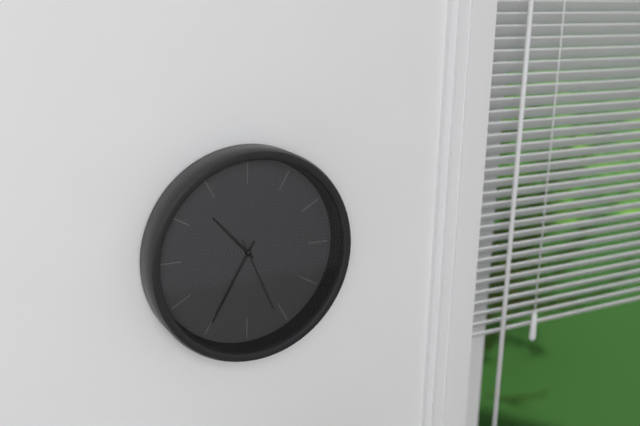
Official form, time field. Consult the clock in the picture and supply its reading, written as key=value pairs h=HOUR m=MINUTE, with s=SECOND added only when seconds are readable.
h=10 m=35 s=26
